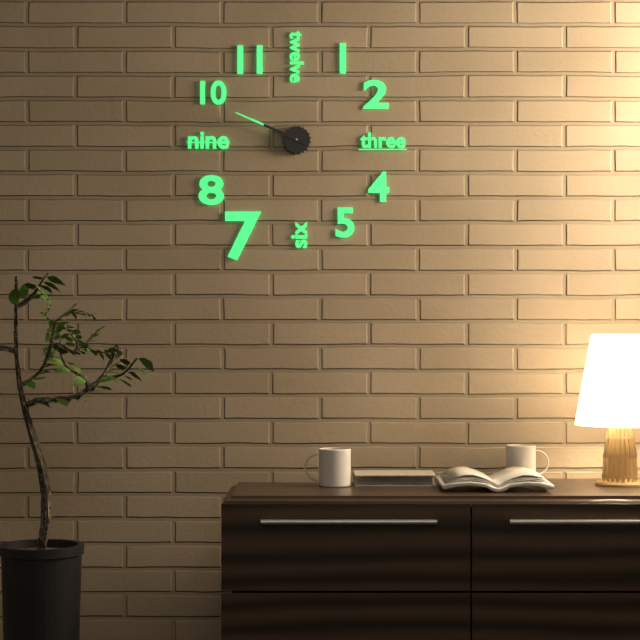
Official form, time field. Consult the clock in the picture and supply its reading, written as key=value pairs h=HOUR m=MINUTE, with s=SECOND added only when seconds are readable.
h=9 m=49
